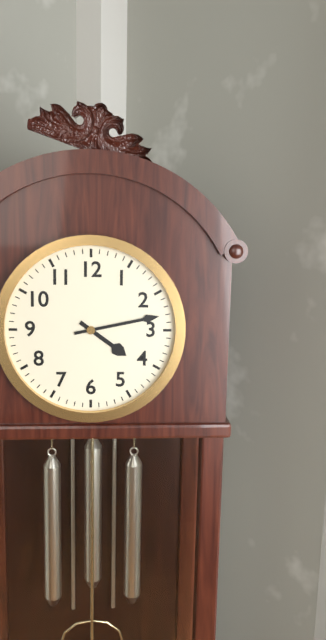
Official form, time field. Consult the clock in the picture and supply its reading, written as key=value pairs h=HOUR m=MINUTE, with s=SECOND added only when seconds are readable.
h=4 m=13
